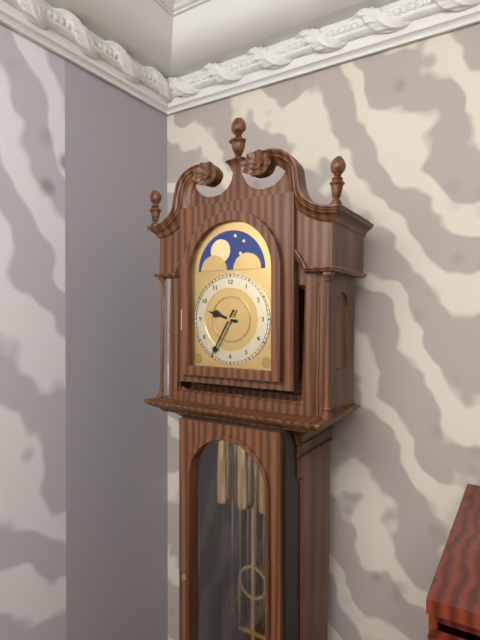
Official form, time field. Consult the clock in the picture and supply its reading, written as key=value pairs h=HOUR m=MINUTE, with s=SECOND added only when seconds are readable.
h=9 m=35
